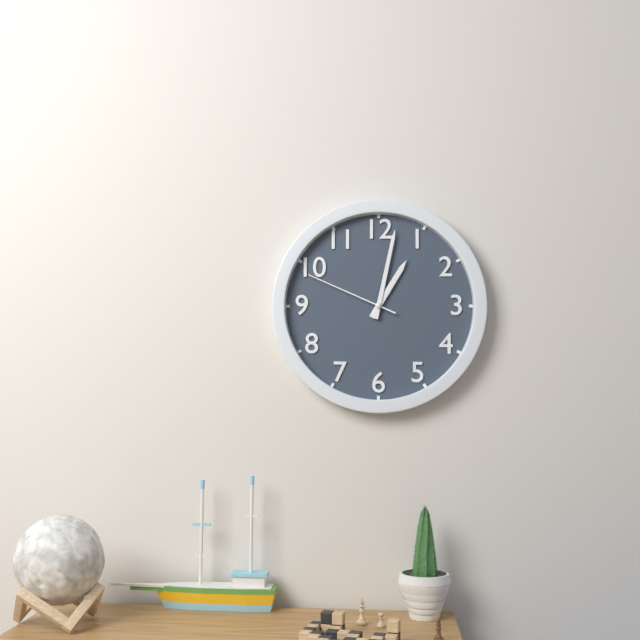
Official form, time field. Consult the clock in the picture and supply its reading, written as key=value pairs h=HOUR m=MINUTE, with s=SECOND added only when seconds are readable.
h=1 m=2 s=49
